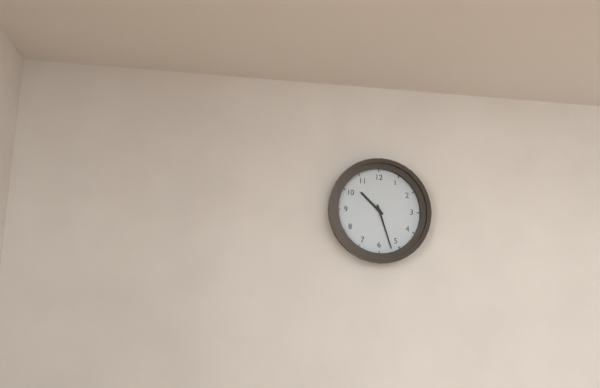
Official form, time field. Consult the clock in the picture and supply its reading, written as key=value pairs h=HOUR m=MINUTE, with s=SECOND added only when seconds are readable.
h=10 m=27
